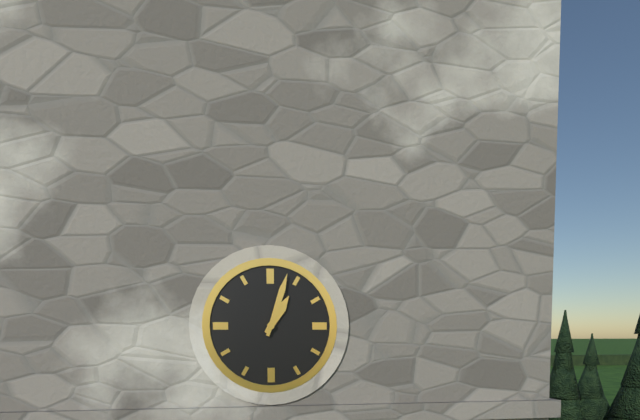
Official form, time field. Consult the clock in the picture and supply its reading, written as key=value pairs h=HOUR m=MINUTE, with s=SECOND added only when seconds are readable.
h=1 m=3
